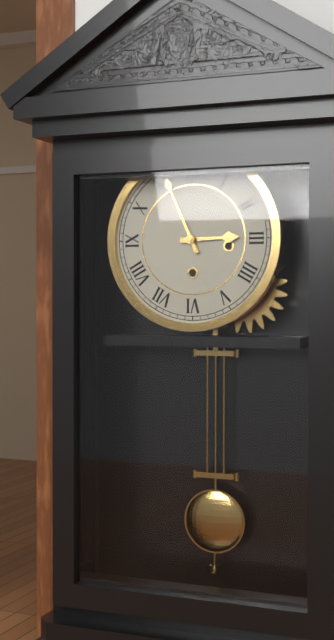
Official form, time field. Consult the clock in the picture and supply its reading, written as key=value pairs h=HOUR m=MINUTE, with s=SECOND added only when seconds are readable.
h=2 m=56
